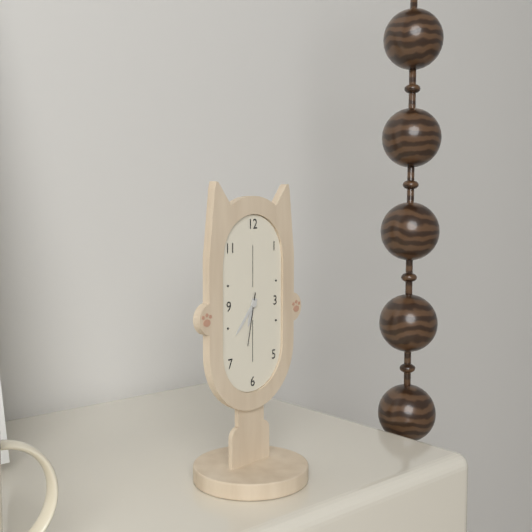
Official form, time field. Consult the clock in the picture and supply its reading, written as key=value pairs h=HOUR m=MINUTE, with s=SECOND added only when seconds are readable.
h=6 m=37 s=32
